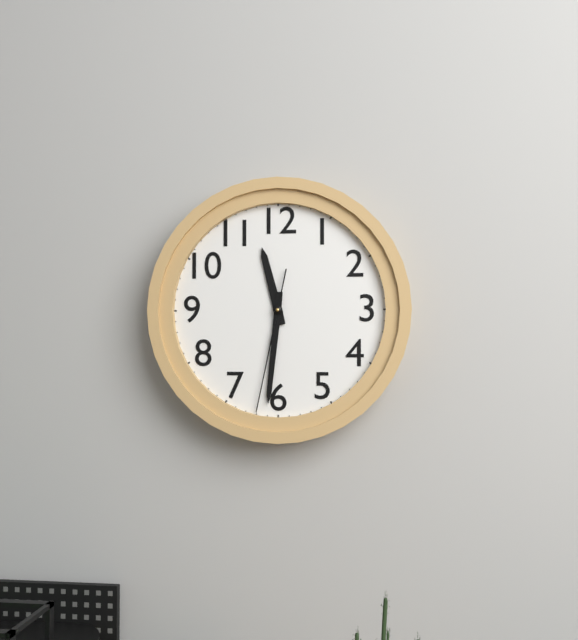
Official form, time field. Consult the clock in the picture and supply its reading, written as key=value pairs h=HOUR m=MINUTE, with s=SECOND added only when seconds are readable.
h=11 m=31 s=32
